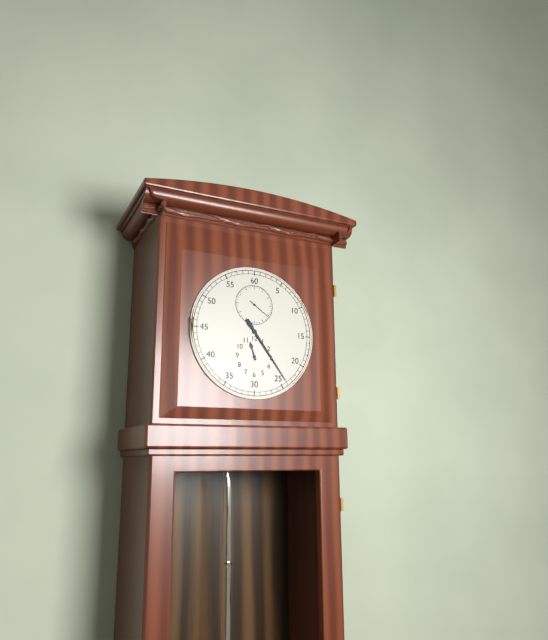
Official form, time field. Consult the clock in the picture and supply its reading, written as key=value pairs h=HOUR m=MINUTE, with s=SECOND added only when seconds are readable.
h=11 m=24
